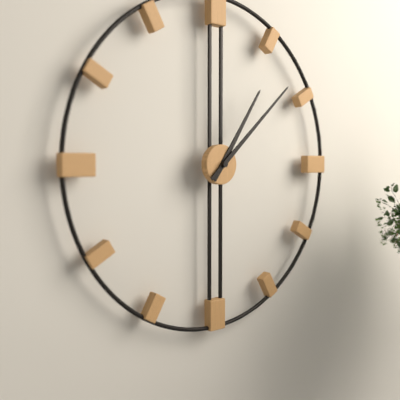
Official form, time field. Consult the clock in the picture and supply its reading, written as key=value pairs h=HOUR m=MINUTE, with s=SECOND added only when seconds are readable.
h=1 m=8
